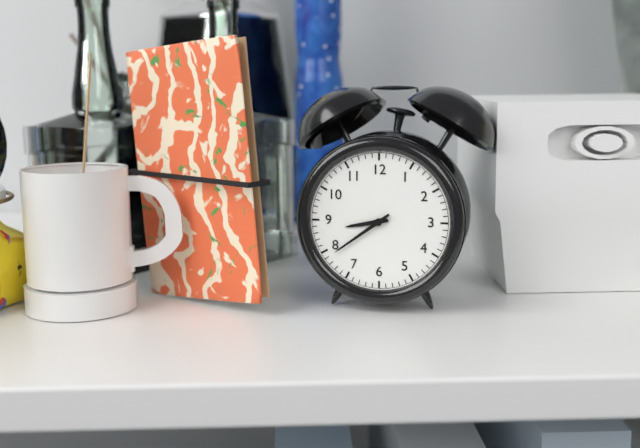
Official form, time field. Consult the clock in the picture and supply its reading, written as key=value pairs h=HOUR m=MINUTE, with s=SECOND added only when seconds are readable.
h=8 m=39
